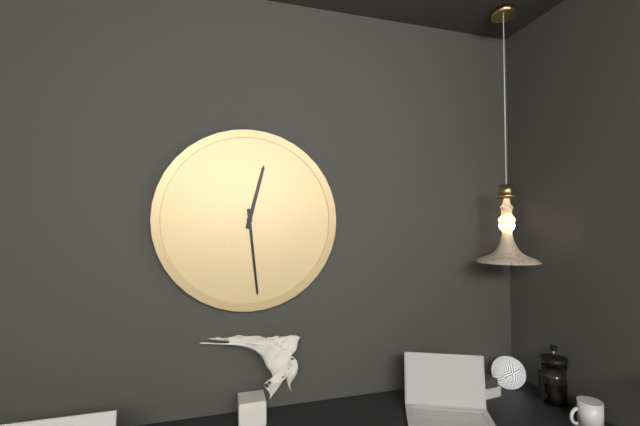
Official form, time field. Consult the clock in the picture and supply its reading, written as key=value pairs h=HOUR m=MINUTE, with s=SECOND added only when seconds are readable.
h=12 m=29
